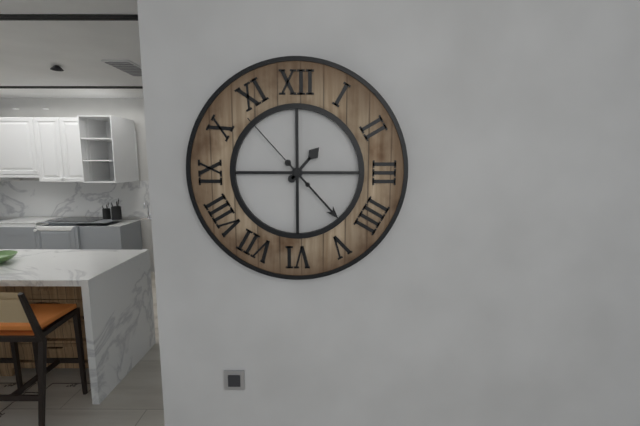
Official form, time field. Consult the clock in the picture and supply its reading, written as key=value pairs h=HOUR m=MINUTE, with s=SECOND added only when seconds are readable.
h=1 m=23 s=53
